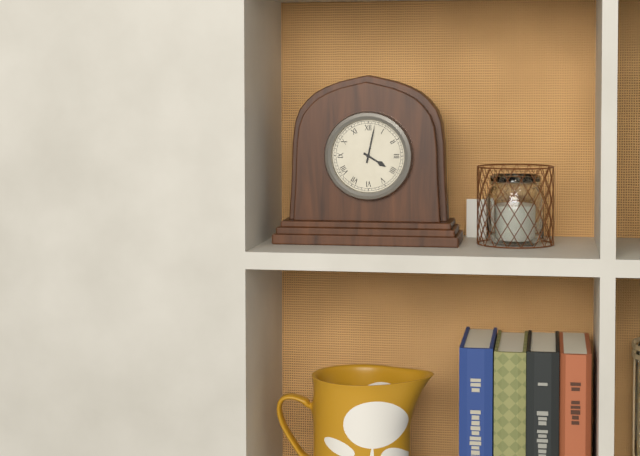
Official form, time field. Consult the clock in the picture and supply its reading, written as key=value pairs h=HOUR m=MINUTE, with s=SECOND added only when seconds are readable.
h=4 m=2
